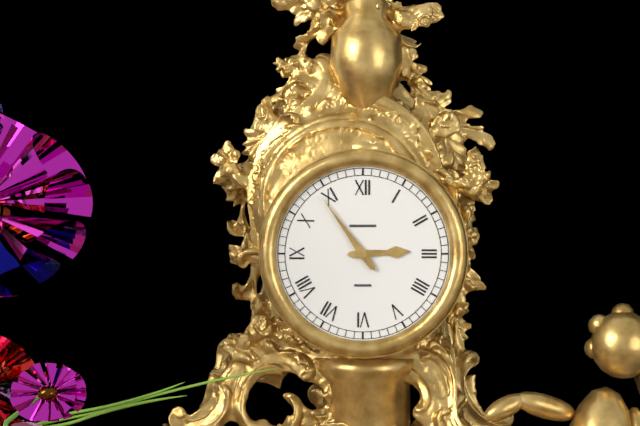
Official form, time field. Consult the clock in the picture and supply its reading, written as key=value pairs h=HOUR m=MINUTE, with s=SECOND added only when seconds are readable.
h=2 m=54
